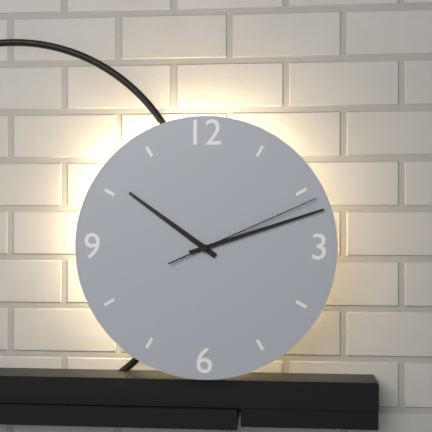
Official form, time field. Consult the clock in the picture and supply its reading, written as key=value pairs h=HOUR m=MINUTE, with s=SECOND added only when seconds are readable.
h=10 m=12 s=11
